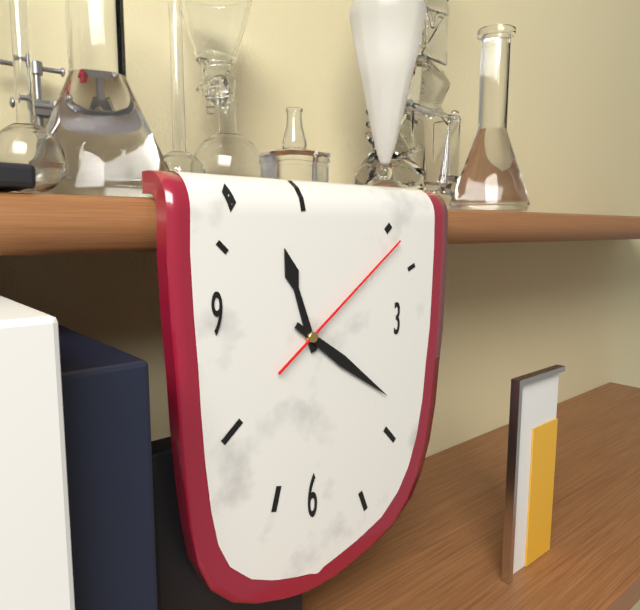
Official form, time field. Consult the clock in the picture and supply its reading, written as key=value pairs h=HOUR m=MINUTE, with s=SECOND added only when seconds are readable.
h=11 m=21 s=9
